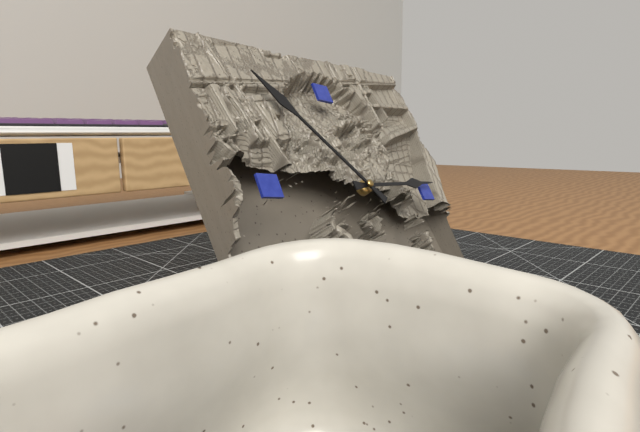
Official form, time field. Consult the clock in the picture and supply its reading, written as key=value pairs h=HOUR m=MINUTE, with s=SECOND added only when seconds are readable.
h=2 m=53
